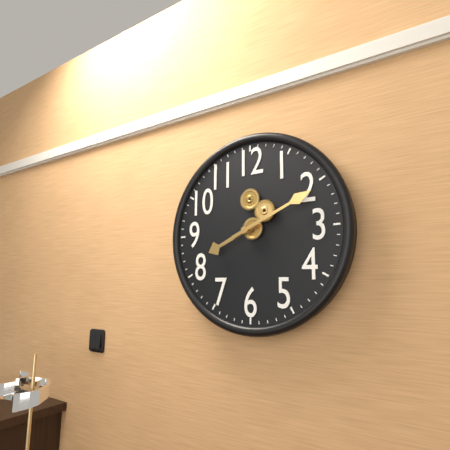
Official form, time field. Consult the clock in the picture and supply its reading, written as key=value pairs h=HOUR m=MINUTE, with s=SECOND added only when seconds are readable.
h=8 m=11
